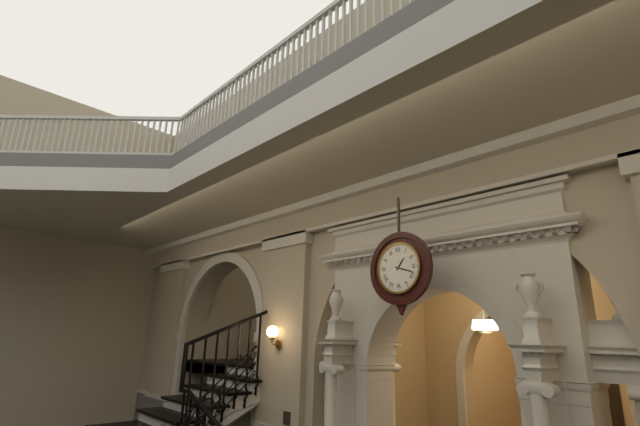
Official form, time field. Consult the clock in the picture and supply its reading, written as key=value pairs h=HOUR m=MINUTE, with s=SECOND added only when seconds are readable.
h=1 m=18
